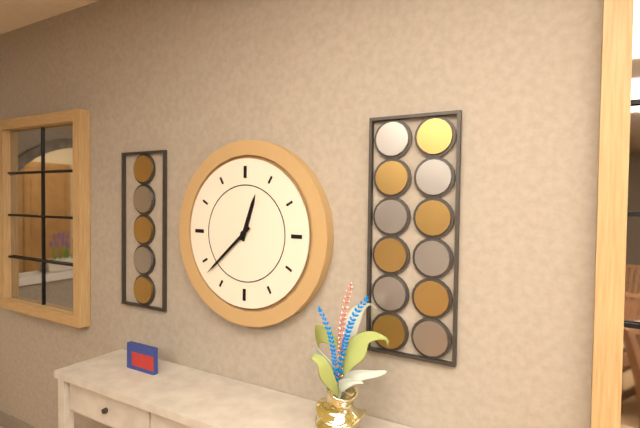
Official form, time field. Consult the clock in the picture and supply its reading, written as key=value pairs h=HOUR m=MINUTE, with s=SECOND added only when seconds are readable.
h=12 m=38
